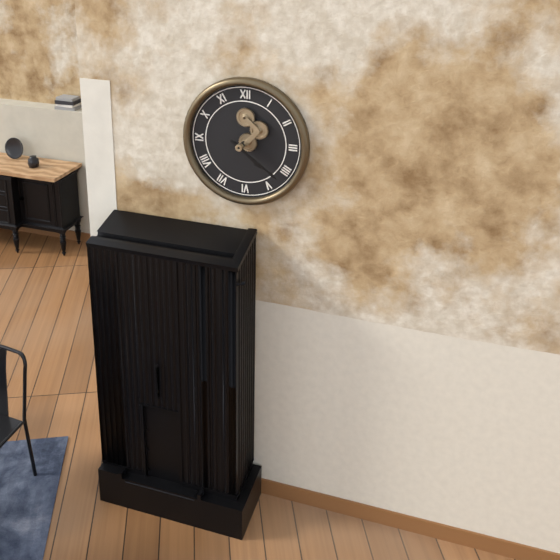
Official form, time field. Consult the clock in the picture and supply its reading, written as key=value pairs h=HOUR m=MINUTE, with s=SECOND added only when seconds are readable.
h=4 m=21
